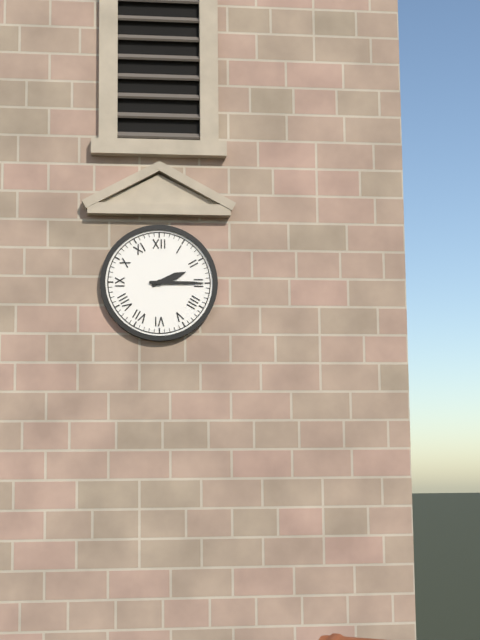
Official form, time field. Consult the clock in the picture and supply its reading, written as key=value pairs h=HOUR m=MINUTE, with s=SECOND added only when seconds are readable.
h=2 m=15
